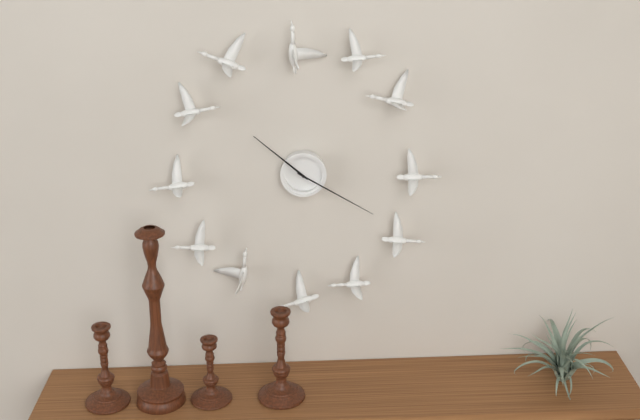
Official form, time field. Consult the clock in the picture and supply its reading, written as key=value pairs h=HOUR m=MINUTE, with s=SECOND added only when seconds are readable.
h=10 m=20
